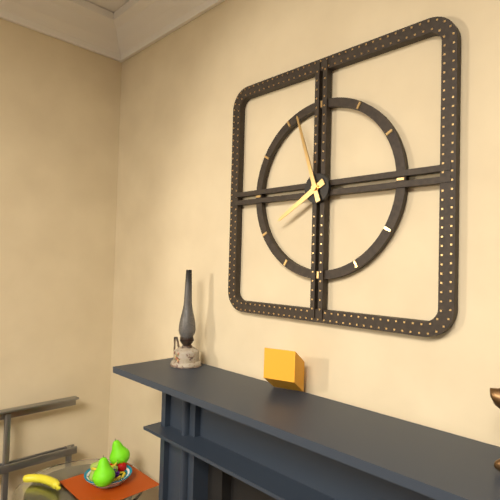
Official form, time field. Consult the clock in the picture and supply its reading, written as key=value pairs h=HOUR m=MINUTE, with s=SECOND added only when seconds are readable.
h=7 m=57
